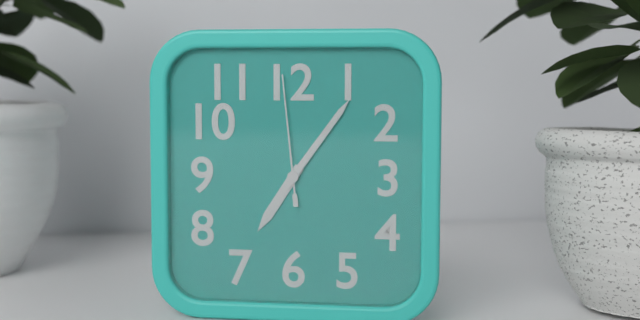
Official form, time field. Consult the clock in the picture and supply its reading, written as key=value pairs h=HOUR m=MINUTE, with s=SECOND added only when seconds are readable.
h=7 m=6 s=59
